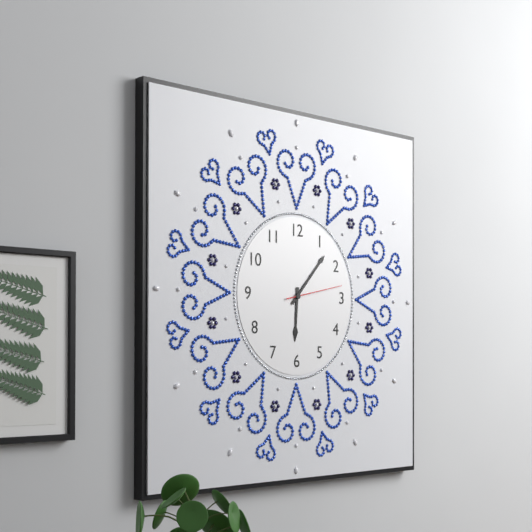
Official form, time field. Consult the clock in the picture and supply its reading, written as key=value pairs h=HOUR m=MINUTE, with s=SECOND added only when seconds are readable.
h=6 m=7 s=13
